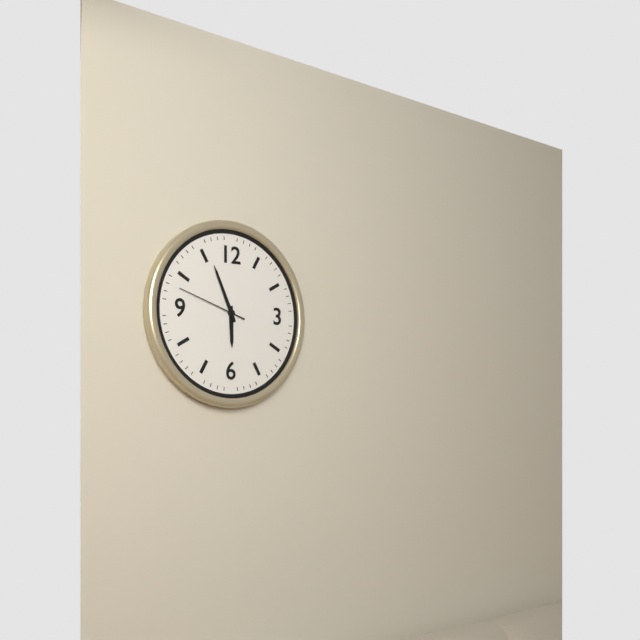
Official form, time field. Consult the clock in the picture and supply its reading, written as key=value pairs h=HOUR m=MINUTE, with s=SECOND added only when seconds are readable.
h=5 m=56 s=48
